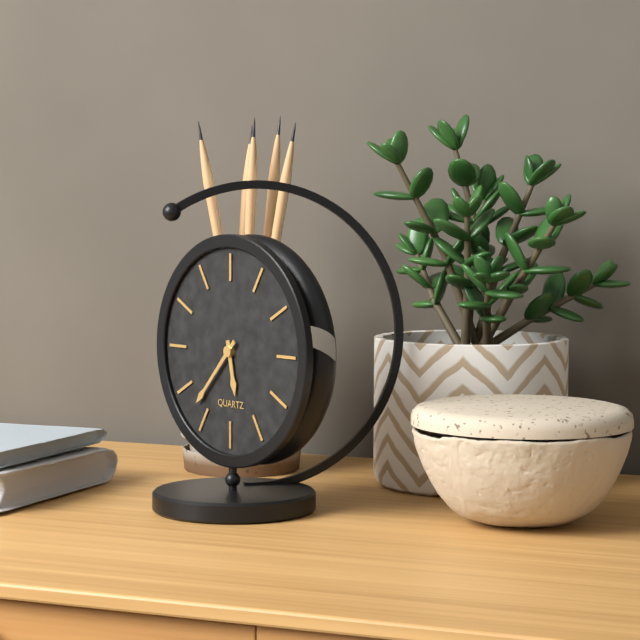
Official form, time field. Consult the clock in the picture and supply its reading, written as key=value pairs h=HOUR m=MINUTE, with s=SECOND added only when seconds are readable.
h=5 m=37
